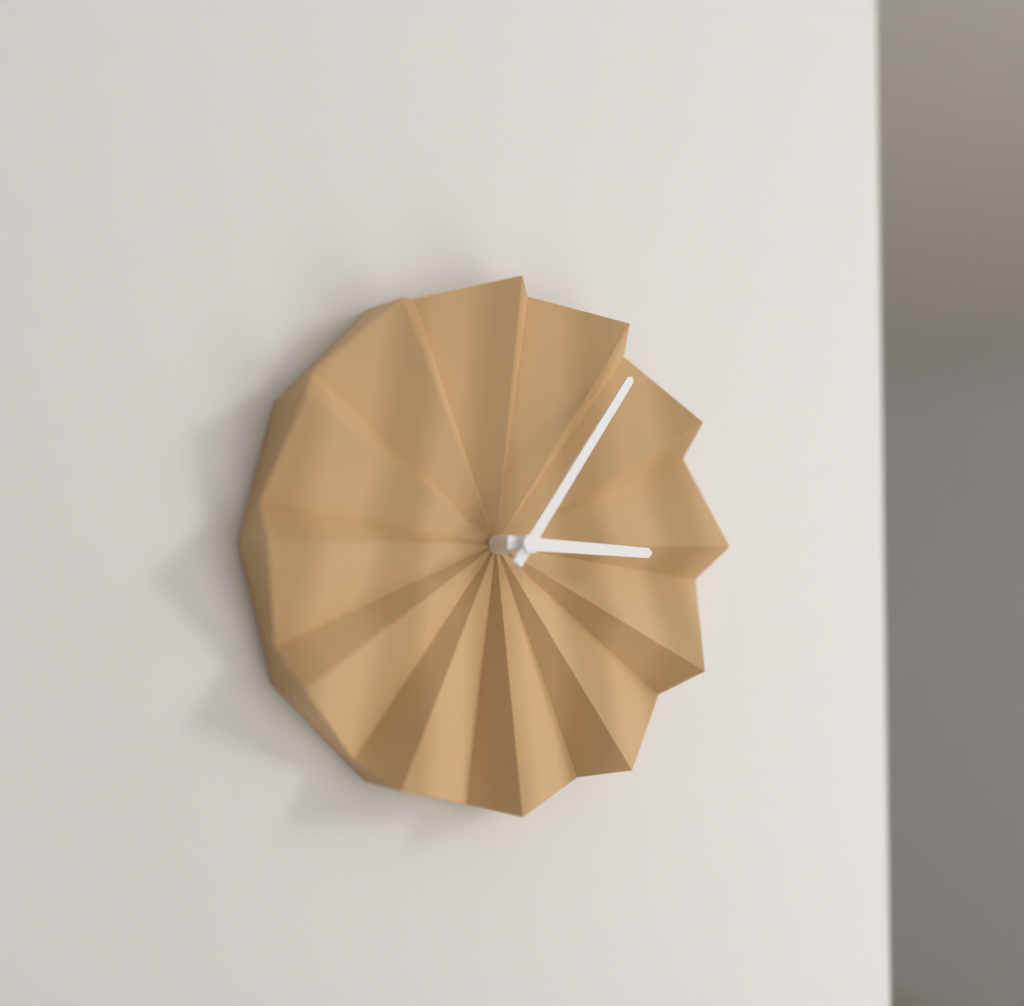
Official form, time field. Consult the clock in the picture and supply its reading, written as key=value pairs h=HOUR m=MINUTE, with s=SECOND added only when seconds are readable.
h=3 m=6
